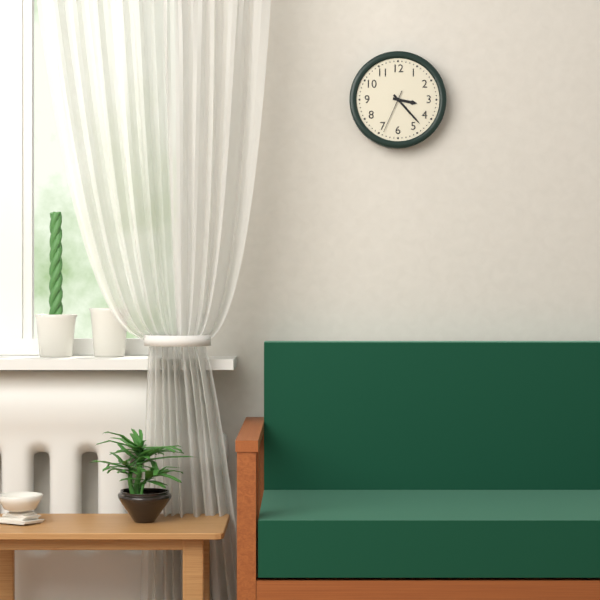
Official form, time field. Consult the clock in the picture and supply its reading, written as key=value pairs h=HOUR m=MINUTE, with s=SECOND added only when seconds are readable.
h=3 m=23
